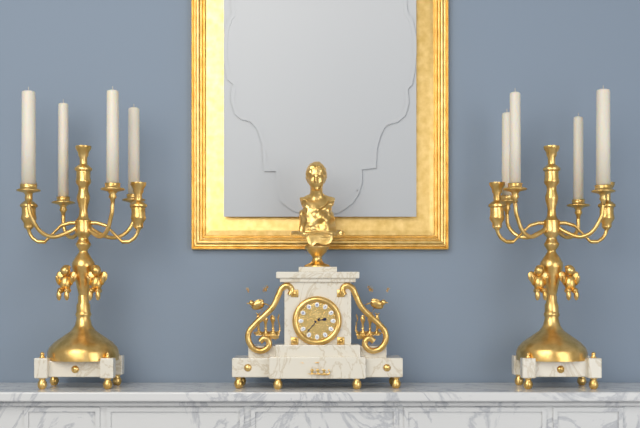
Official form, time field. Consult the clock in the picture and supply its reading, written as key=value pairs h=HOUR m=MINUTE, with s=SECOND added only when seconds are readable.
h=2 m=37
